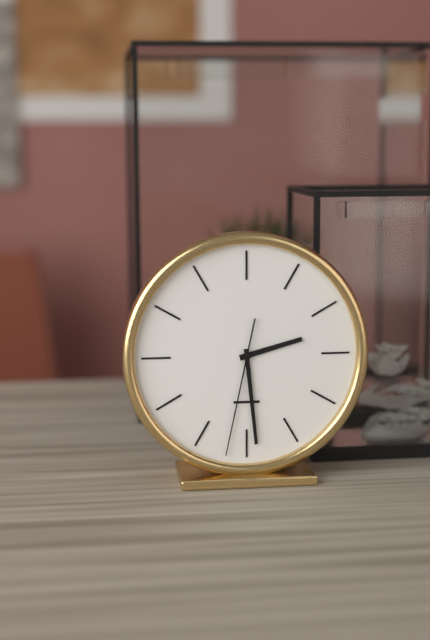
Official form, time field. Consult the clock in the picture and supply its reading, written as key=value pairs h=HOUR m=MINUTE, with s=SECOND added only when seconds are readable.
h=2 m=29 s=32
